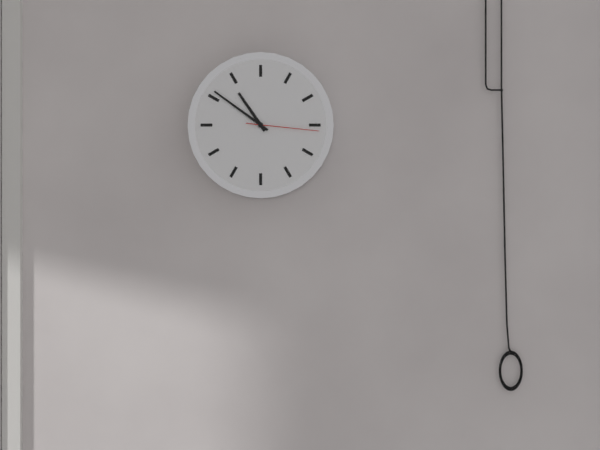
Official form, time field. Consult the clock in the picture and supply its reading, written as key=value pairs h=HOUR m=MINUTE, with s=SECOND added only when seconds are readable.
h=10 m=51 s=16
